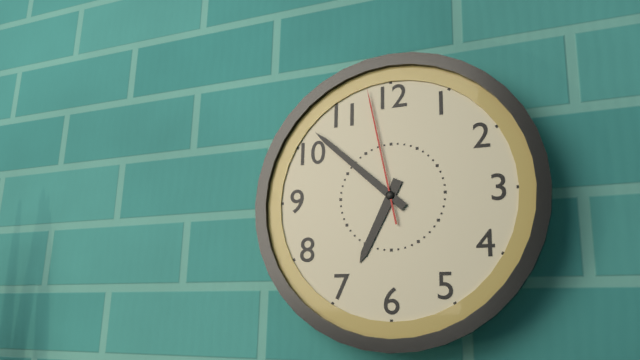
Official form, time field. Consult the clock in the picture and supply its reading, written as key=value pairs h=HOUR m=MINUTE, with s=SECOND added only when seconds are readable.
h=6 m=52 s=58
